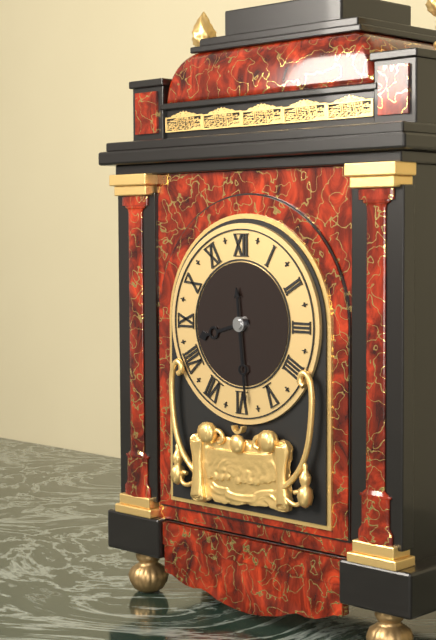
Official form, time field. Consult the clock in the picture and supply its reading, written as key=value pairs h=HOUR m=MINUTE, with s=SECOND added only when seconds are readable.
h=8 m=29
